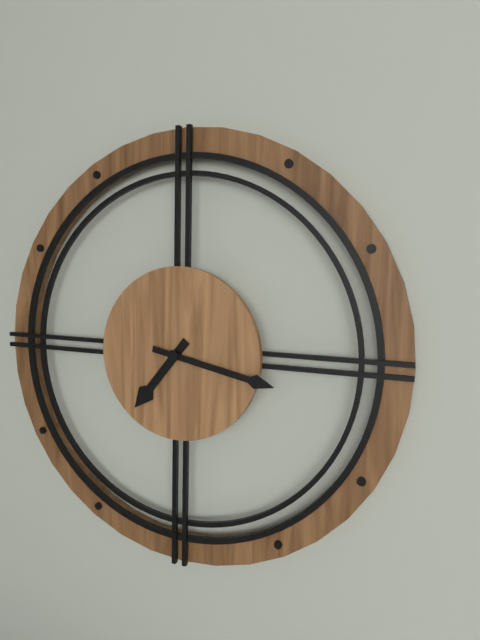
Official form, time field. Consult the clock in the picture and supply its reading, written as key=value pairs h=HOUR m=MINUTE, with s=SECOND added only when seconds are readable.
h=7 m=17
